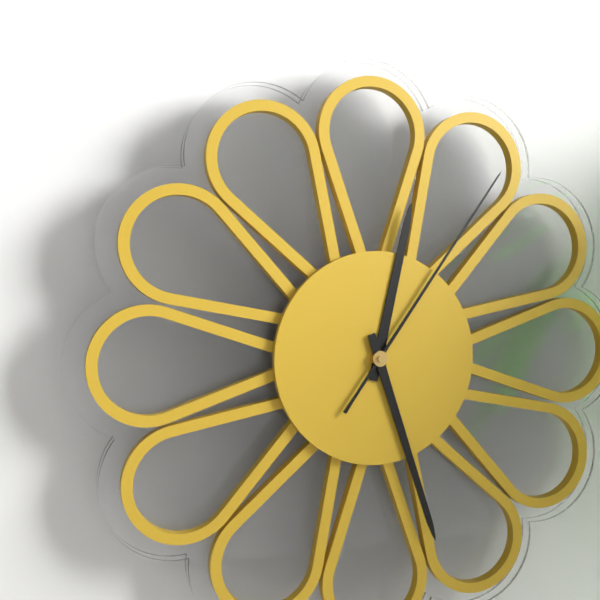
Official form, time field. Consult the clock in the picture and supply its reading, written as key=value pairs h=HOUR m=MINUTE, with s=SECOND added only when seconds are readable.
h=12 m=27 s=6
